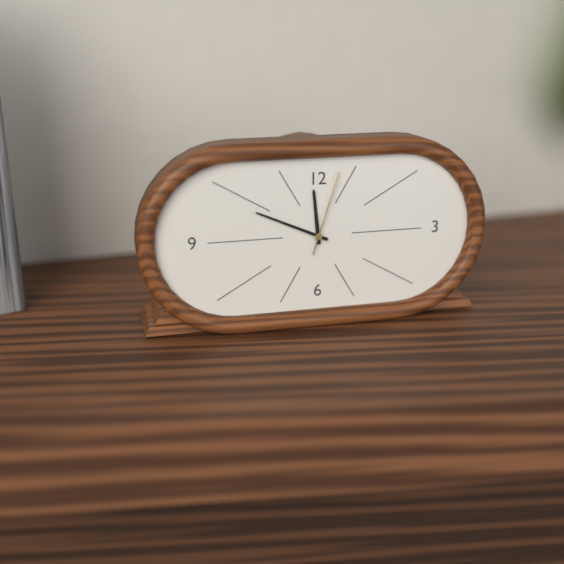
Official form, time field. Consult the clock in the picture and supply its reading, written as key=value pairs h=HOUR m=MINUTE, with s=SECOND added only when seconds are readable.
h=11 m=49 s=3
